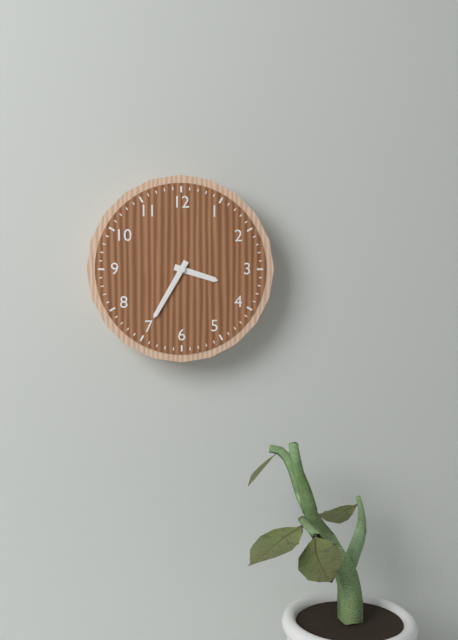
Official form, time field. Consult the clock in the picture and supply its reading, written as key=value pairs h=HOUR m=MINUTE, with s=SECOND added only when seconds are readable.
h=3 m=35
